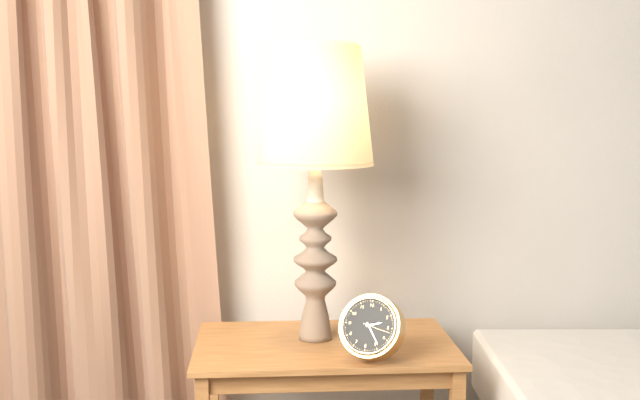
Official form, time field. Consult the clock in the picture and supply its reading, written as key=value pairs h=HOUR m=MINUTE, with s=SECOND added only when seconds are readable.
h=2 m=24
